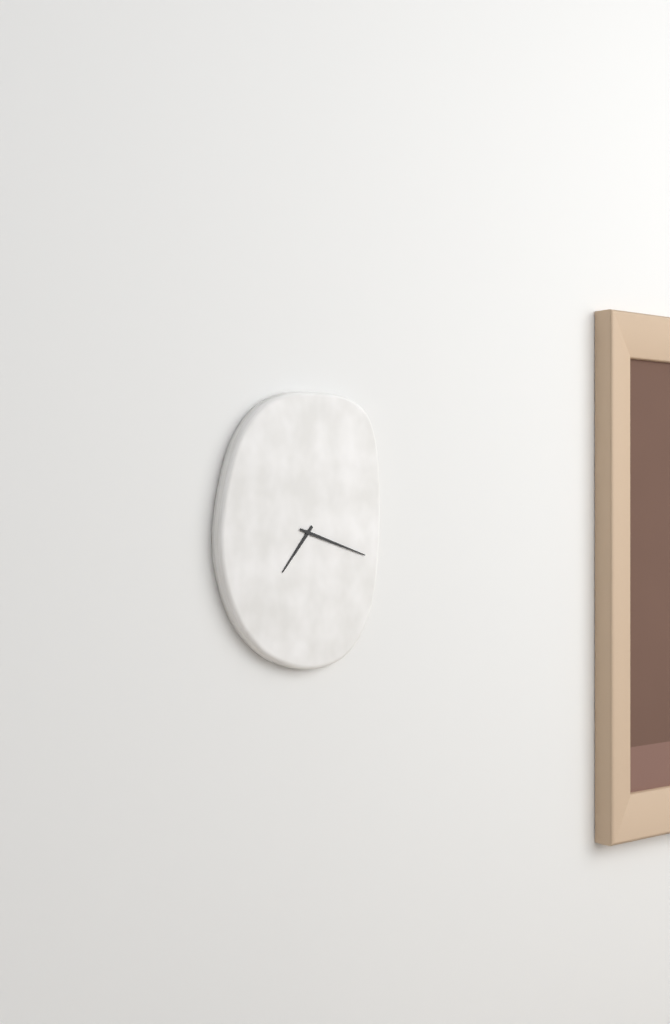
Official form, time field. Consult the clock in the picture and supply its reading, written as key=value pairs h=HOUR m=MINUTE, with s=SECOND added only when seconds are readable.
h=7 m=18
